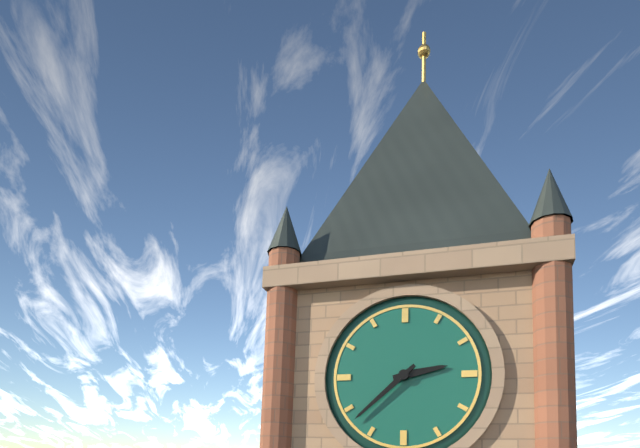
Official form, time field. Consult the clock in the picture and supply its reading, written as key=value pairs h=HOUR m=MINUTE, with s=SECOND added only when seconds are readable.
h=2 m=38
